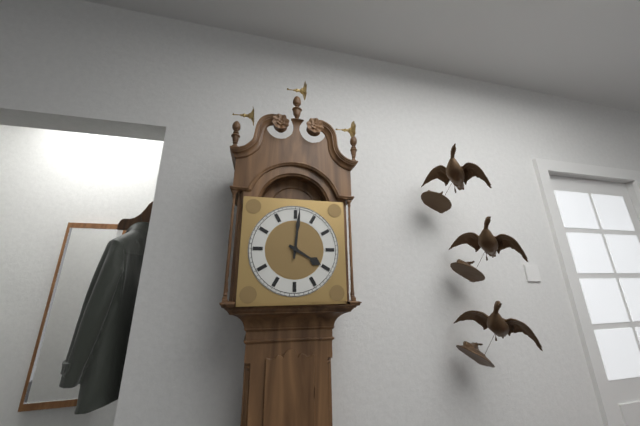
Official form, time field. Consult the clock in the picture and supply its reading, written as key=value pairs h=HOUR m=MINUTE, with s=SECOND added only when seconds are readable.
h=4 m=1
